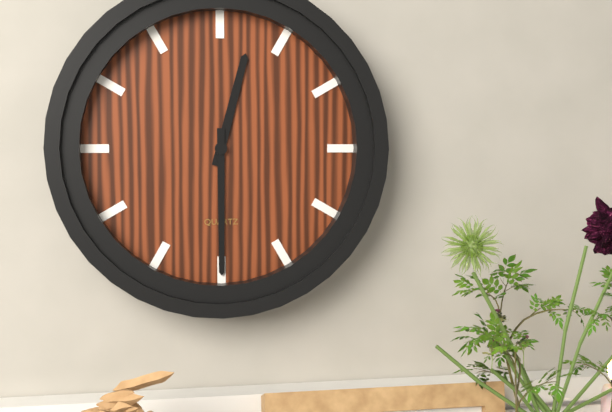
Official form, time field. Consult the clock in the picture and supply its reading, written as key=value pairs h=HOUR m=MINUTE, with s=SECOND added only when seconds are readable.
h=12 m=30
